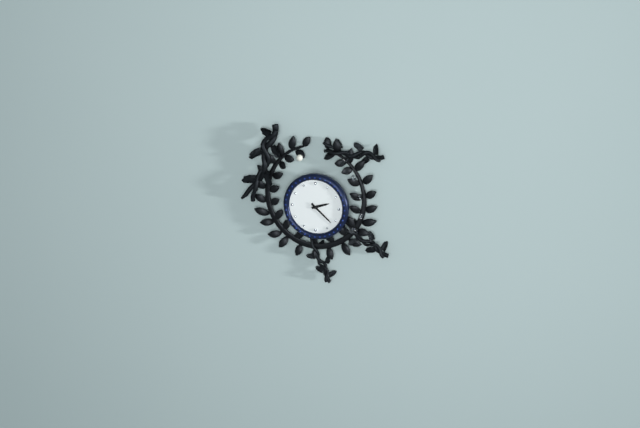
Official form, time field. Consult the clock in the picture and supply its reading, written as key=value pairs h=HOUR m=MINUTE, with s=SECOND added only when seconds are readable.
h=2 m=22
